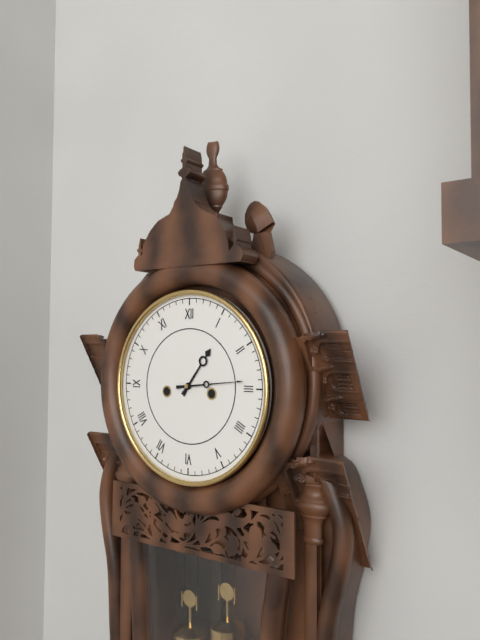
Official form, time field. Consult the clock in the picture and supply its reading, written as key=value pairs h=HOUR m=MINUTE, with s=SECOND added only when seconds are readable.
h=1 m=14
